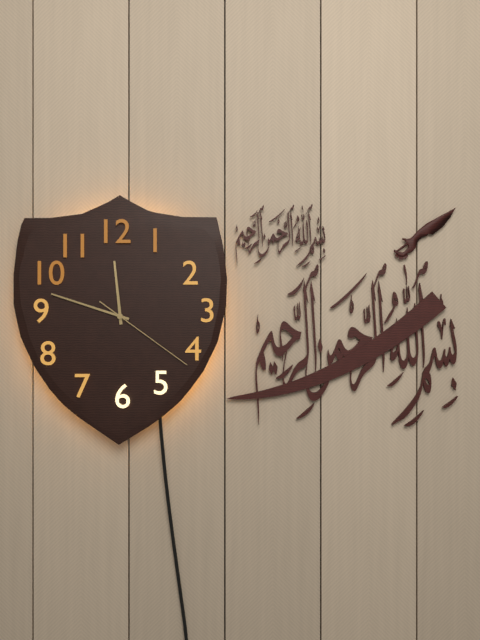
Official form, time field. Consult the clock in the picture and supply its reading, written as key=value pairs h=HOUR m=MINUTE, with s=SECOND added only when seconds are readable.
h=11 m=48 s=21
